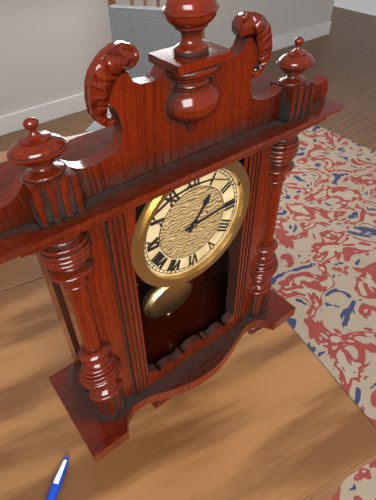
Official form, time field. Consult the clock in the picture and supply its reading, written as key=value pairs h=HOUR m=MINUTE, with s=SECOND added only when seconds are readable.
h=1 m=14
